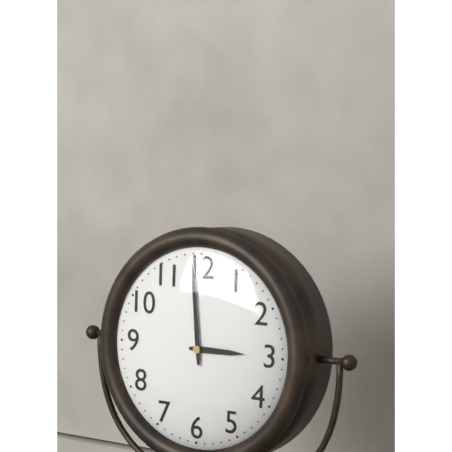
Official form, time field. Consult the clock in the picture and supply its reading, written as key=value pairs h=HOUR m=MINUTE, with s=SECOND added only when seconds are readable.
h=2 m=59
